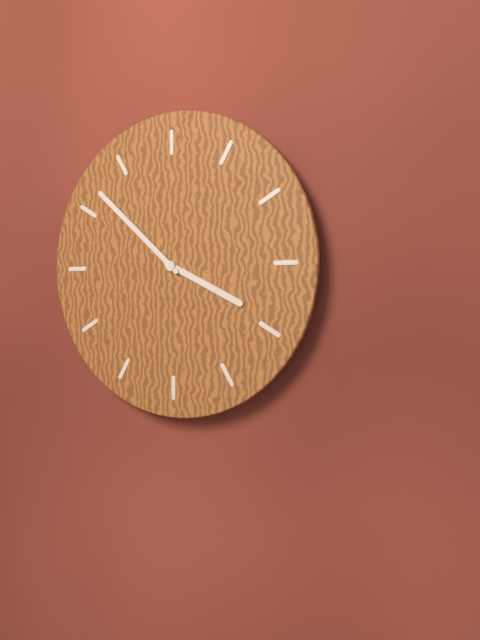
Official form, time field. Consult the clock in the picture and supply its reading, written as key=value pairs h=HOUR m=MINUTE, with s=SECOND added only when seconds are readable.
h=3 m=52
